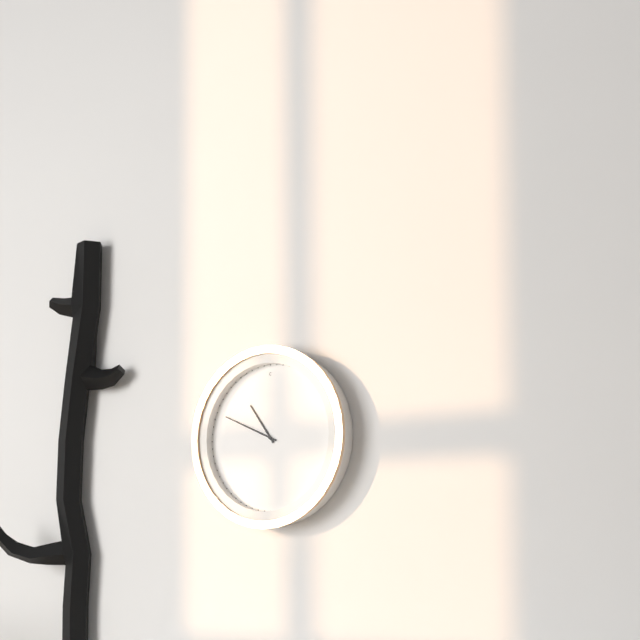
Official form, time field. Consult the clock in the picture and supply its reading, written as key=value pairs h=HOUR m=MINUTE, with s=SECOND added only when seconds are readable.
h=10 m=49
